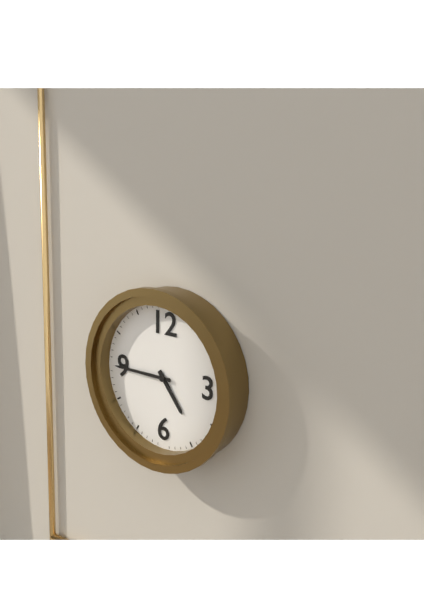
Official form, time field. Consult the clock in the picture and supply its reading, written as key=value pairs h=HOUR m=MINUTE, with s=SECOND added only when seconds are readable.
h=4 m=45
